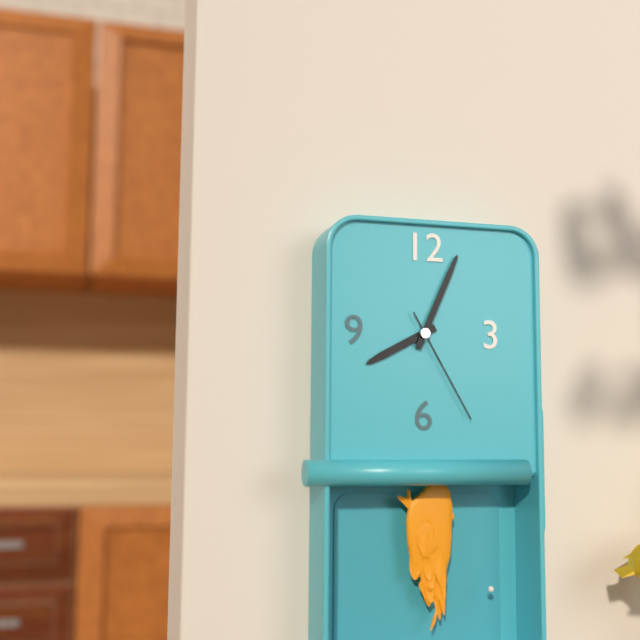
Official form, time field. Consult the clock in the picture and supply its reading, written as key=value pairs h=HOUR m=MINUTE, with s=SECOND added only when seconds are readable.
h=8 m=4 s=25
